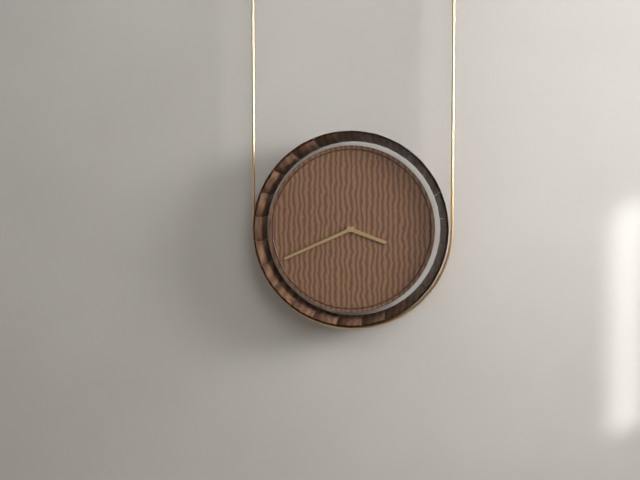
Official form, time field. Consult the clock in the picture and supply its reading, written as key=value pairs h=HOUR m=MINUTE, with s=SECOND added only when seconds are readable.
h=3 m=41
